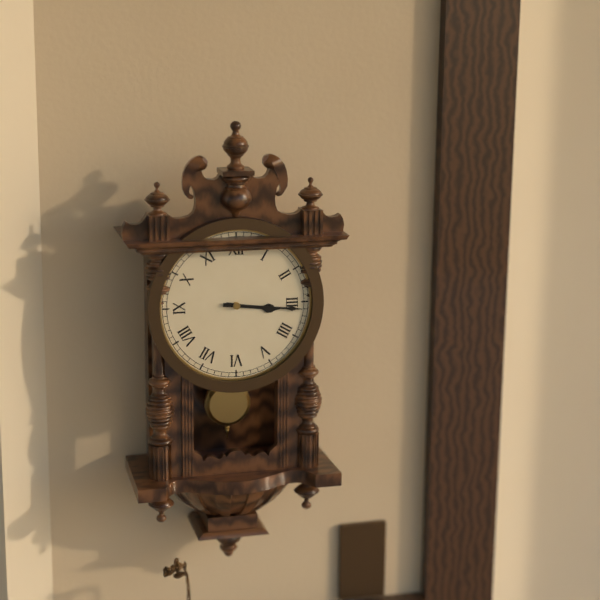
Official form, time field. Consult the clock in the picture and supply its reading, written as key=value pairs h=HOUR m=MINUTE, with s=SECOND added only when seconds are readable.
h=3 m=16
